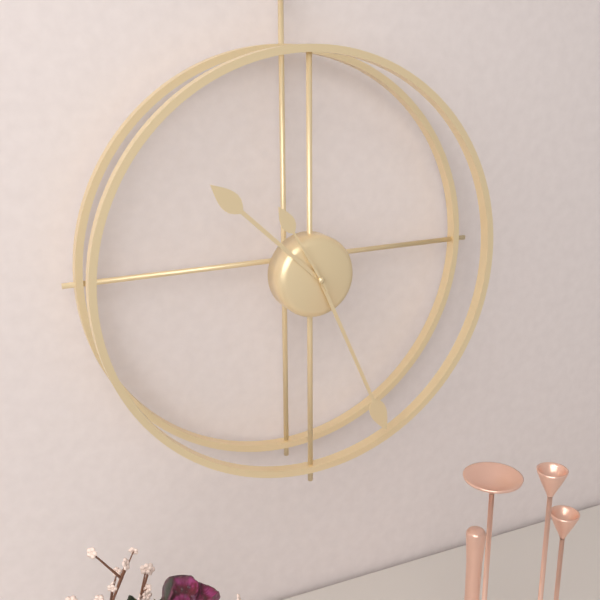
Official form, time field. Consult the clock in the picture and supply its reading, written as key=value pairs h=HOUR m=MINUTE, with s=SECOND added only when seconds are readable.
h=10 m=26 s=55
